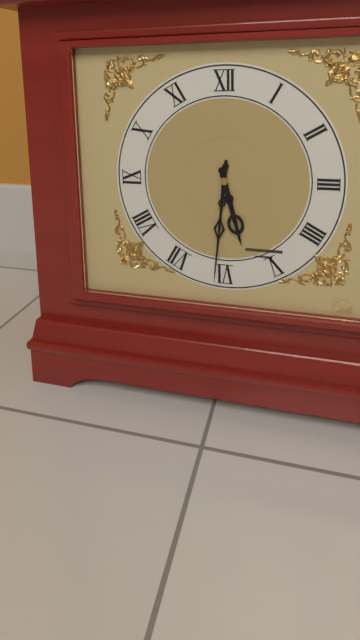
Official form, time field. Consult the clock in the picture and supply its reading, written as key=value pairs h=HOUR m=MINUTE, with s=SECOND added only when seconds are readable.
h=5 m=31
